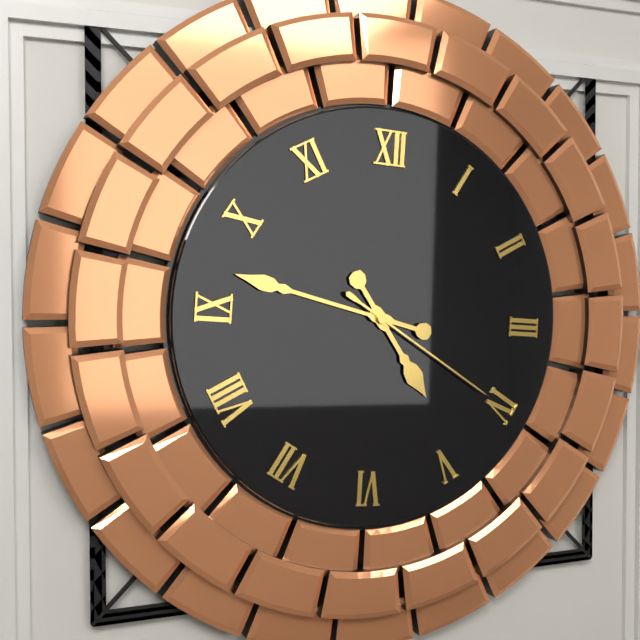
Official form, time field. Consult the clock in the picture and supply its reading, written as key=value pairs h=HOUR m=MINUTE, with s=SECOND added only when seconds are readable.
h=4 m=47 s=20
